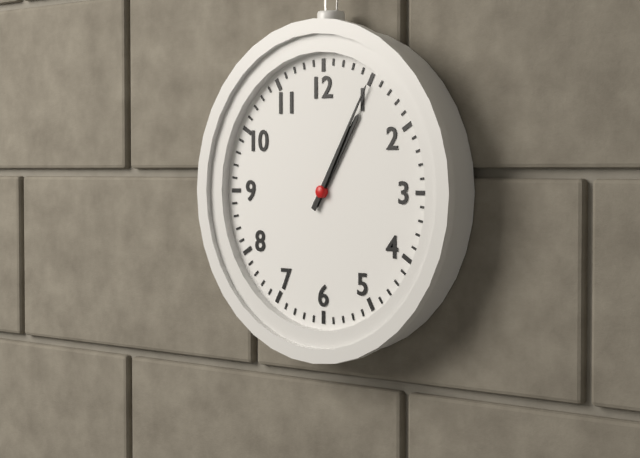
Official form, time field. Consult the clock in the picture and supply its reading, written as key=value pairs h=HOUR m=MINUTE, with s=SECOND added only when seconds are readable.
h=1 m=5
